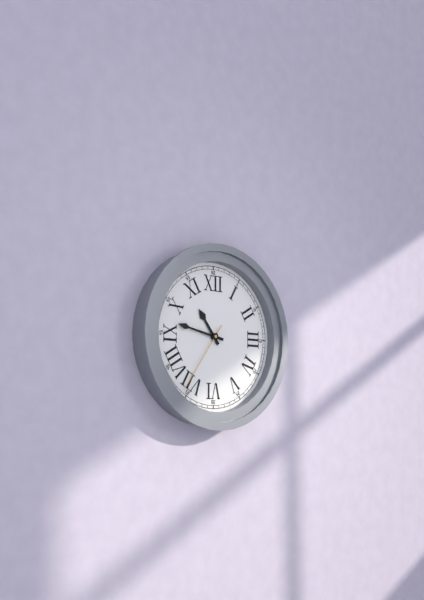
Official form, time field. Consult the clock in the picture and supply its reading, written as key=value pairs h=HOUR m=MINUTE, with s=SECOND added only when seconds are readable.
h=10 m=47 s=36
